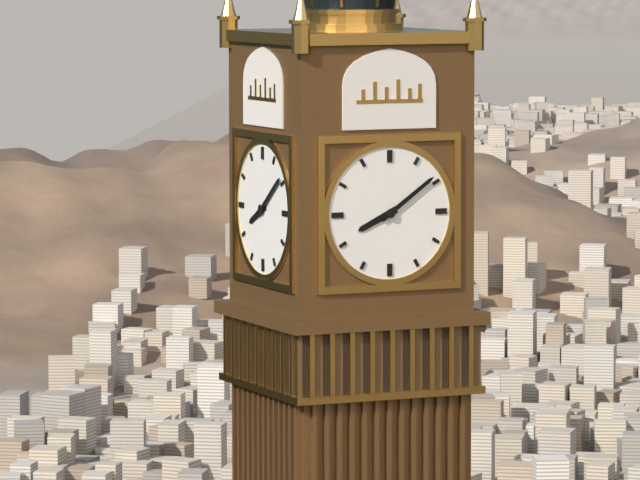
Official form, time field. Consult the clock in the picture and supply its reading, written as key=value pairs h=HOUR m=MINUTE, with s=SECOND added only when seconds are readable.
h=8 m=9
